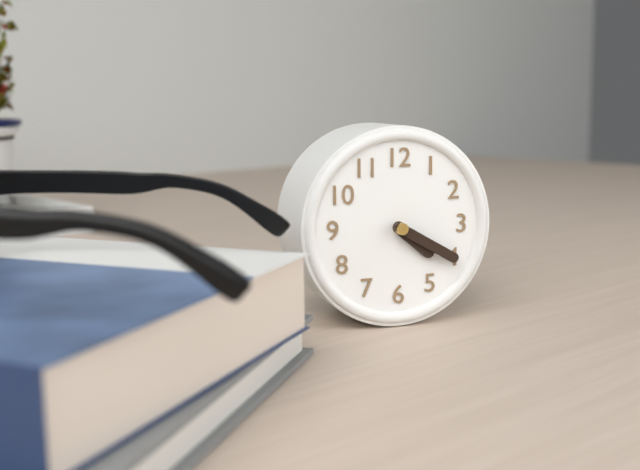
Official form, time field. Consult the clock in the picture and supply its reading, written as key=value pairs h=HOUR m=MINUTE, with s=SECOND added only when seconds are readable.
h=4 m=20
